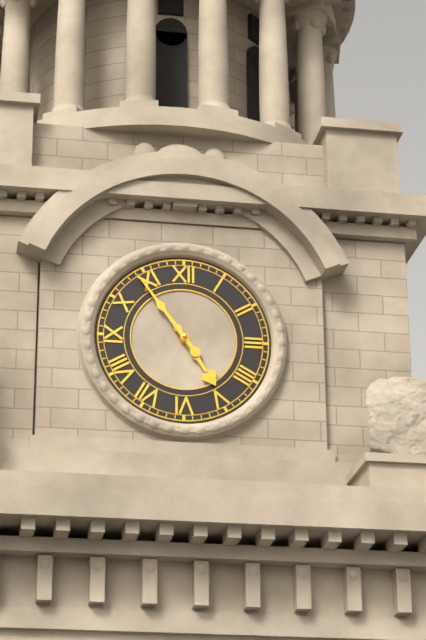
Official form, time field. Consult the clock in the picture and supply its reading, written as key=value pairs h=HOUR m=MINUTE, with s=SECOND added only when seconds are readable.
h=4 m=54
